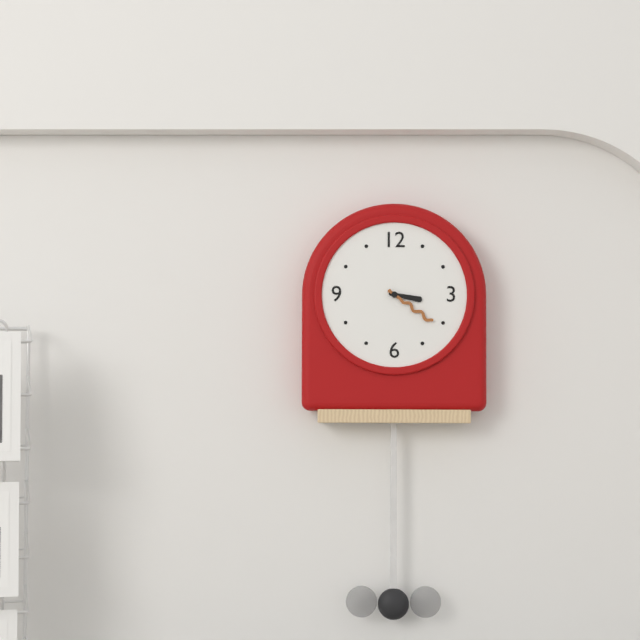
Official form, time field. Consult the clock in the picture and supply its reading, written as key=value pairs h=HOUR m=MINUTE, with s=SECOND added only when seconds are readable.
h=3 m=21
